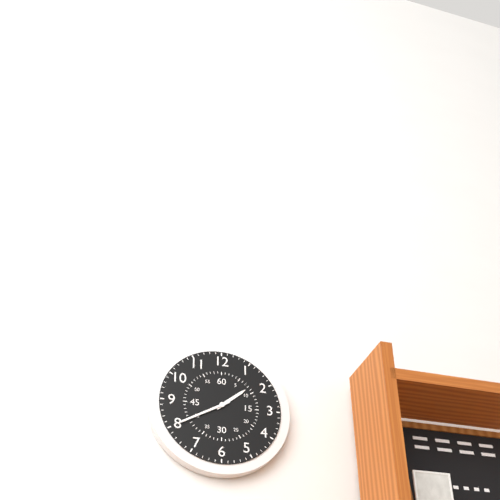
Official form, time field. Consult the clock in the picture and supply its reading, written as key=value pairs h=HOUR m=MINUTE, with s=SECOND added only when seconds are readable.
h=1 m=40
